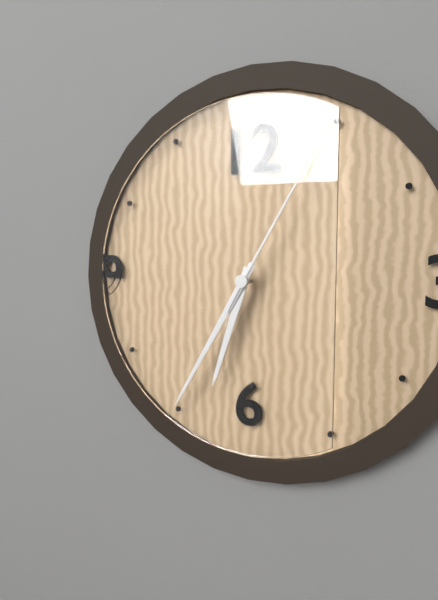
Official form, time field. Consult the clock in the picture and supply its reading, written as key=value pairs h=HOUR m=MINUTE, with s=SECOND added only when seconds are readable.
h=6 m=35 s=5
